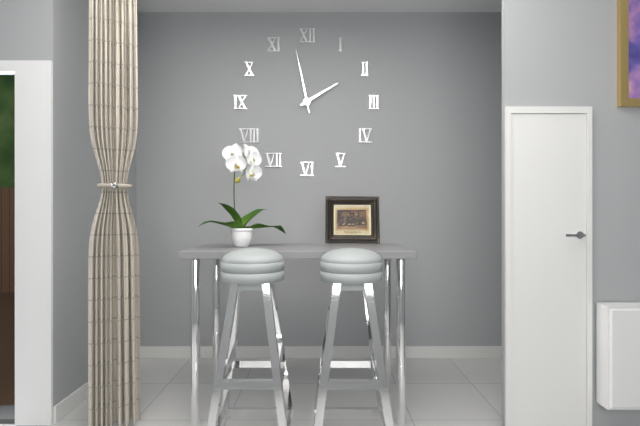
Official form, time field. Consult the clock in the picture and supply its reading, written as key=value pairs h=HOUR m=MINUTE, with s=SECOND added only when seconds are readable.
h=1 m=58
